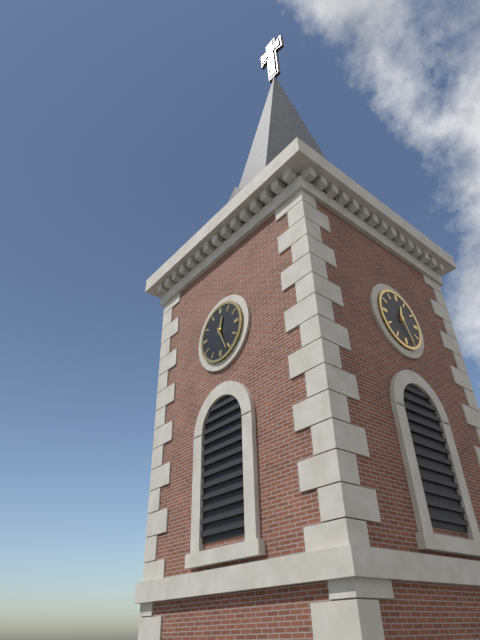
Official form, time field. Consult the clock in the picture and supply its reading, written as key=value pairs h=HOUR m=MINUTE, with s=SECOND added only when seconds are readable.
h=12 m=26
